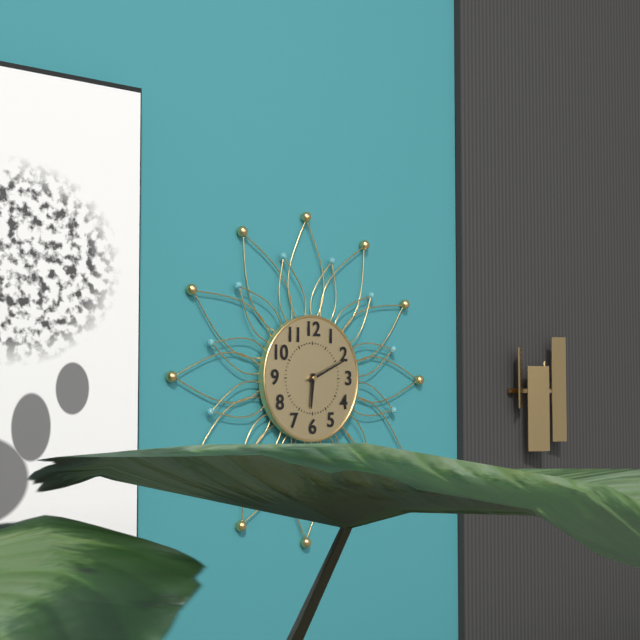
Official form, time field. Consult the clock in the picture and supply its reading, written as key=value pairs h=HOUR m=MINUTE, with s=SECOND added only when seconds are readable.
h=6 m=11
